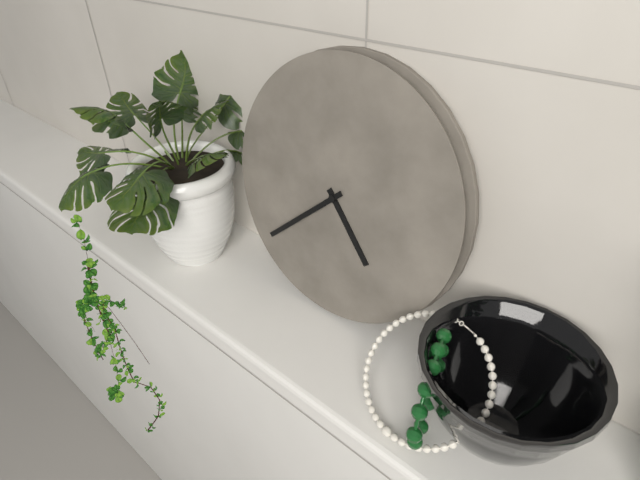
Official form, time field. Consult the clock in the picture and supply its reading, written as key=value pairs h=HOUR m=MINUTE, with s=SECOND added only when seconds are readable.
h=4 m=38
